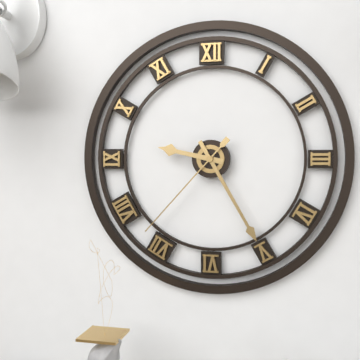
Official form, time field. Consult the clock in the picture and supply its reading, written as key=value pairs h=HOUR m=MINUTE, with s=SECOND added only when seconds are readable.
h=9 m=25 s=37
